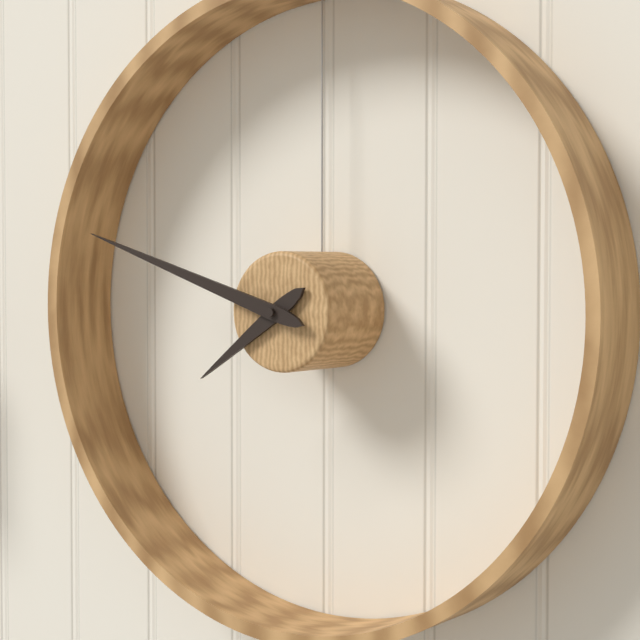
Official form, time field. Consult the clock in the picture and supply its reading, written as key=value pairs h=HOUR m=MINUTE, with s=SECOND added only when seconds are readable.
h=7 m=48
